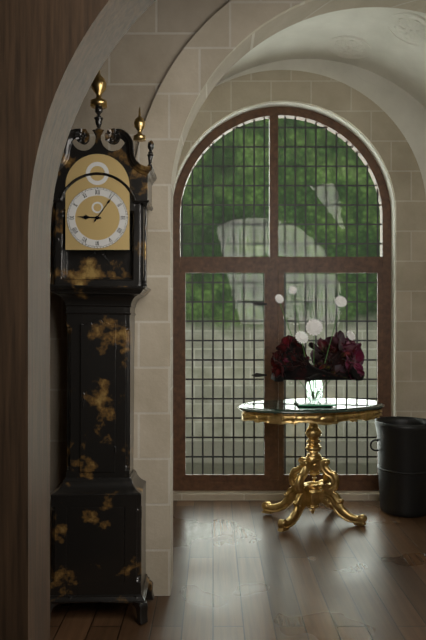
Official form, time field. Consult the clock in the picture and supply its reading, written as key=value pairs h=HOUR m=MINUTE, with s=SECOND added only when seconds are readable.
h=9 m=6
